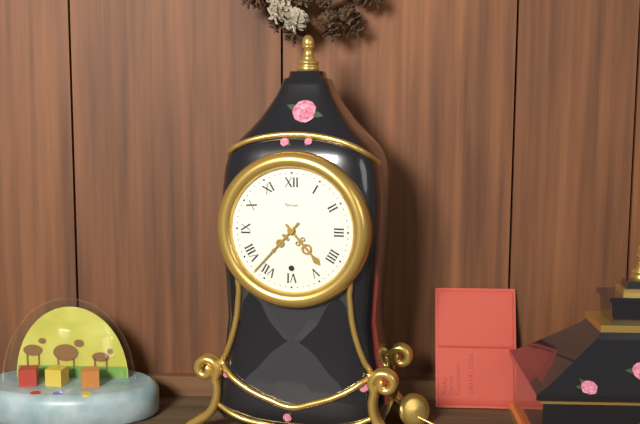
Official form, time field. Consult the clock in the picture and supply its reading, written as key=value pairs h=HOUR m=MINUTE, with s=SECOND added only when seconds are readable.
h=4 m=37
